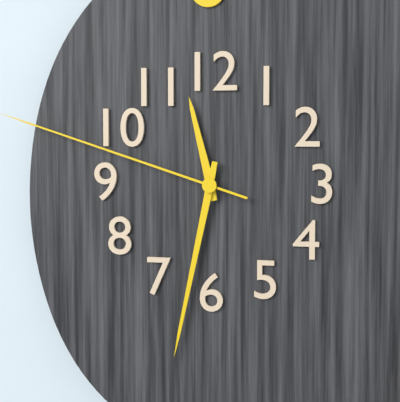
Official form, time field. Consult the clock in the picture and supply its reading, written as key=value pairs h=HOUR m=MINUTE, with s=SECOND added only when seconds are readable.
h=11 m=32
